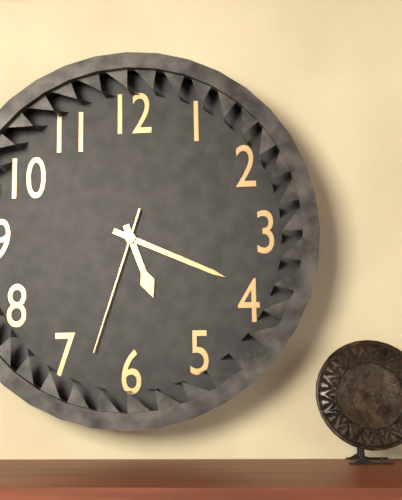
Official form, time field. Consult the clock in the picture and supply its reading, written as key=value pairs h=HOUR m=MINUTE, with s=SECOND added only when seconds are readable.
h=5 m=19 s=33
